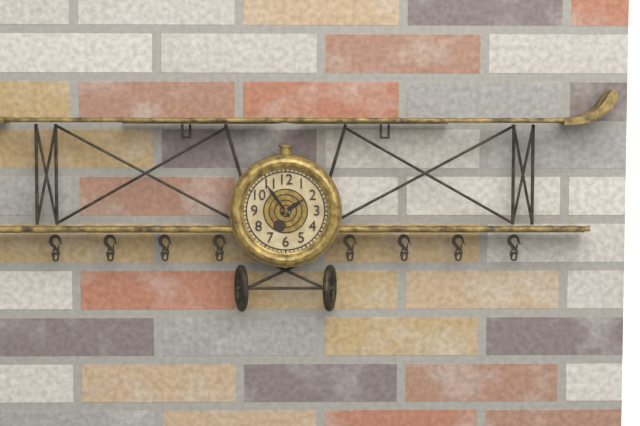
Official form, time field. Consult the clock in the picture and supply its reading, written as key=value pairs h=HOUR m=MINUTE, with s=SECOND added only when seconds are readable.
h=1 m=54
